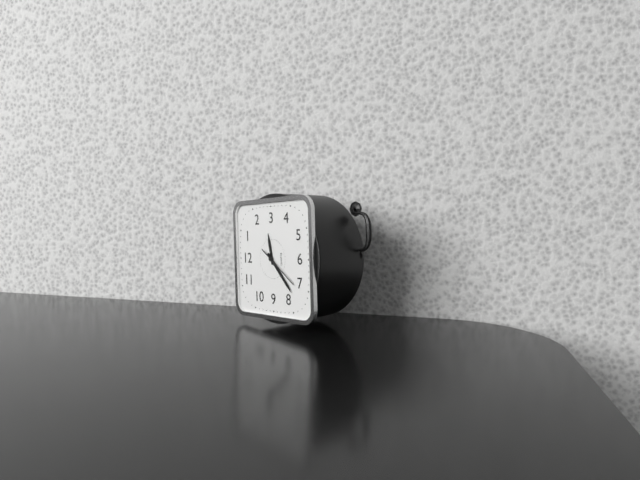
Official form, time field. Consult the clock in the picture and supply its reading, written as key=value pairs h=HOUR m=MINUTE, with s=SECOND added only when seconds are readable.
h=2 m=38
